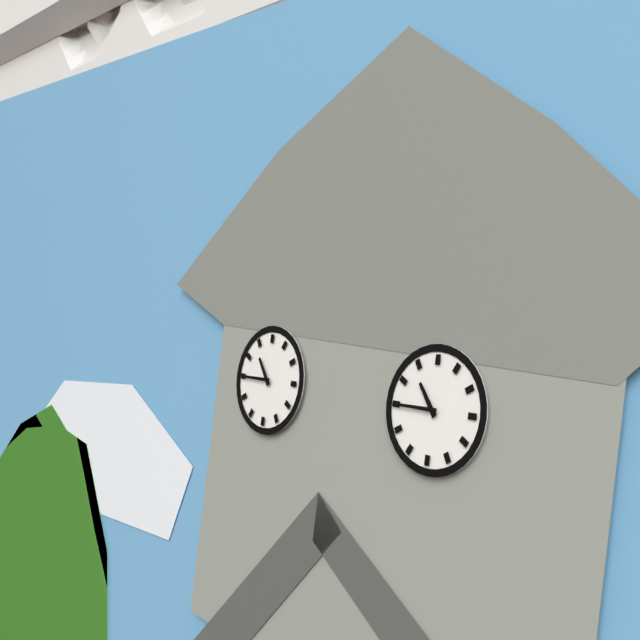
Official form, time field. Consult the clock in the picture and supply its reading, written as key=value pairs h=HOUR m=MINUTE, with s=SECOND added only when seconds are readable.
h=10 m=45
